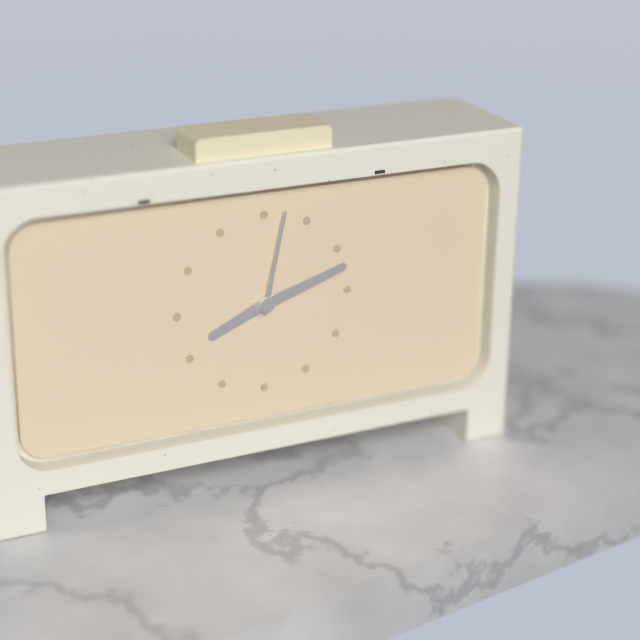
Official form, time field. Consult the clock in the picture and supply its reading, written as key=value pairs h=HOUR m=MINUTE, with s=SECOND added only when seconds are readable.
h=8 m=12 s=2
